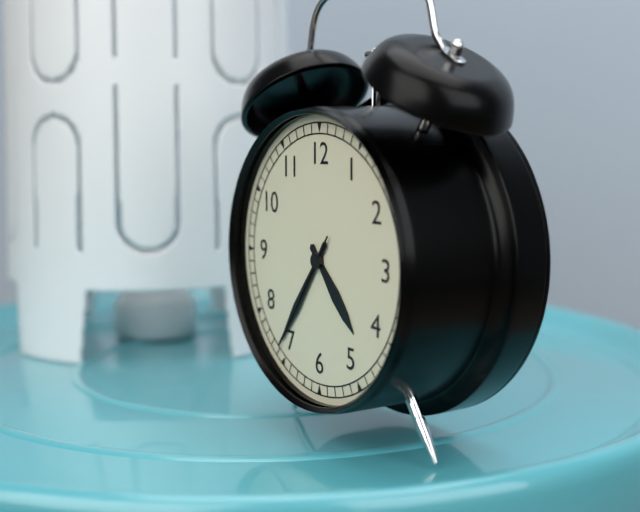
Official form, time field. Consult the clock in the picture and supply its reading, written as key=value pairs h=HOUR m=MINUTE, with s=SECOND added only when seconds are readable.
h=4 m=36 s=36
